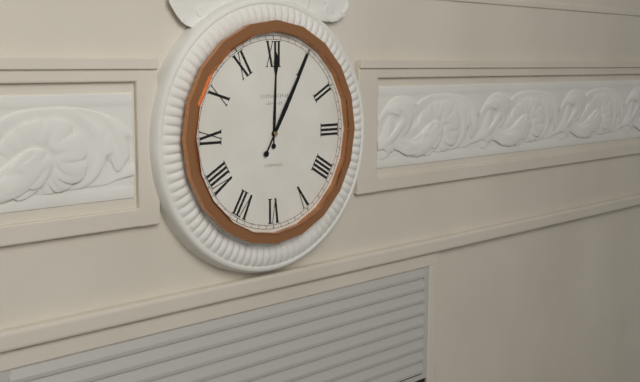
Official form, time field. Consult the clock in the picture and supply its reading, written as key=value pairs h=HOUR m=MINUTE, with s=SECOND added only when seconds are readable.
h=12 m=5
